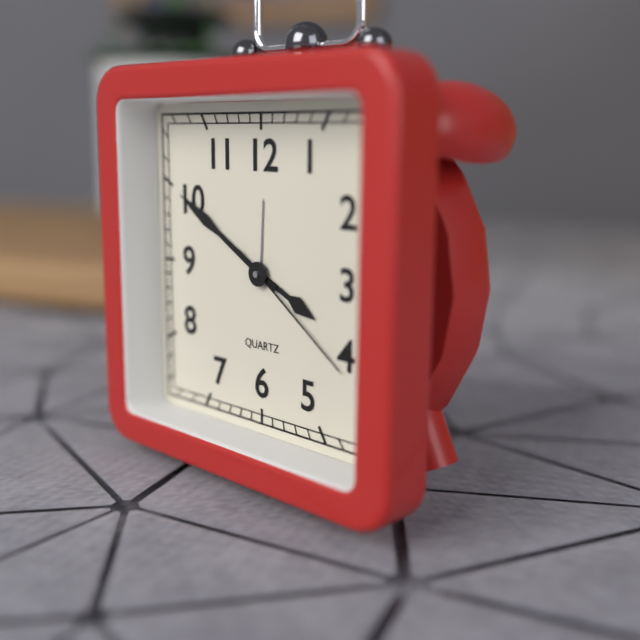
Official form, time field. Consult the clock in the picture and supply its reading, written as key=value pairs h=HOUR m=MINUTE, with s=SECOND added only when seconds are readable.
h=3 m=50 s=21
